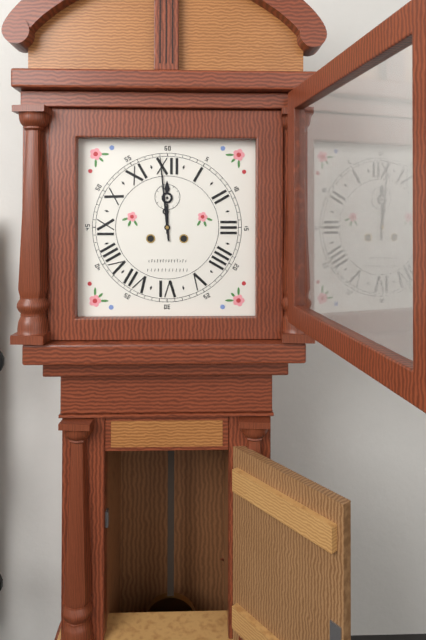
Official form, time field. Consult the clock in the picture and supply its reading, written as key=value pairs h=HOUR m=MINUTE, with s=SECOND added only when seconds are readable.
h=11 m=59
